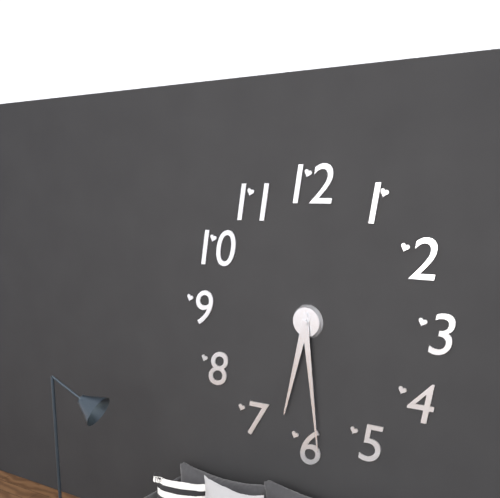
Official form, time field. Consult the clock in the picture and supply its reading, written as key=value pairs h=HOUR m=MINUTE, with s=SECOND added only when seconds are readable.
h=6 m=29
